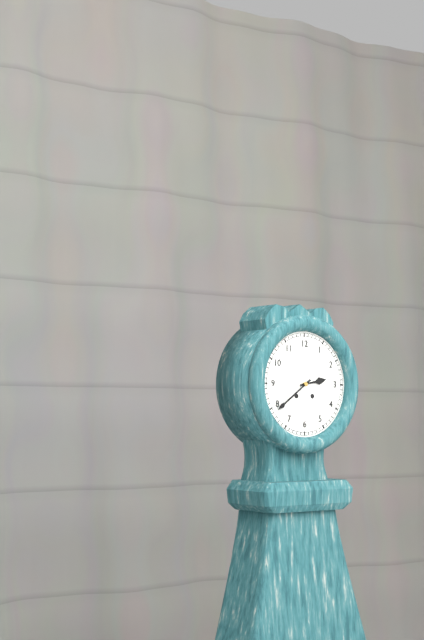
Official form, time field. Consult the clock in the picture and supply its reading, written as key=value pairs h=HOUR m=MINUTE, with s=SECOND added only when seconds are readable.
h=2 m=39
